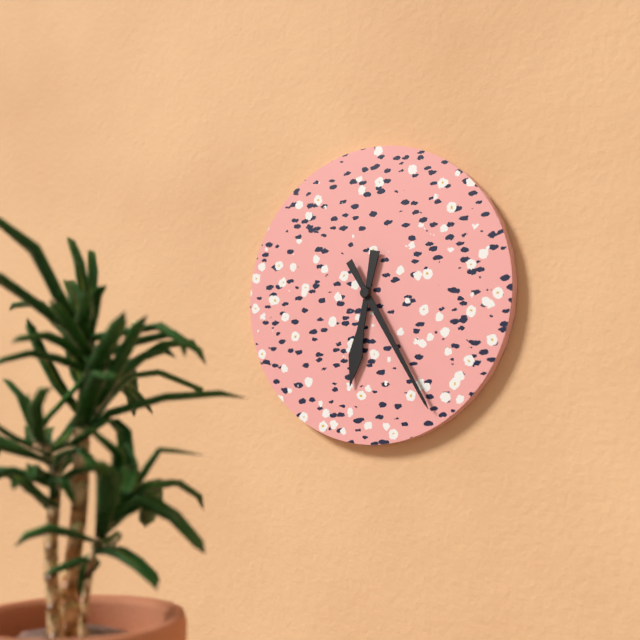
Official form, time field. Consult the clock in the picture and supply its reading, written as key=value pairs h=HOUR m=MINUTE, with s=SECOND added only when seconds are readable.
h=6 m=25
